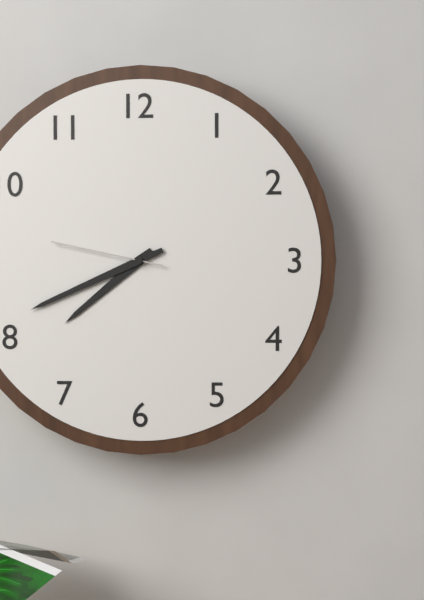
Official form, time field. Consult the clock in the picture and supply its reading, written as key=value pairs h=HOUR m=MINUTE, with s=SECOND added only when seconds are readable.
h=7 m=41 s=47
